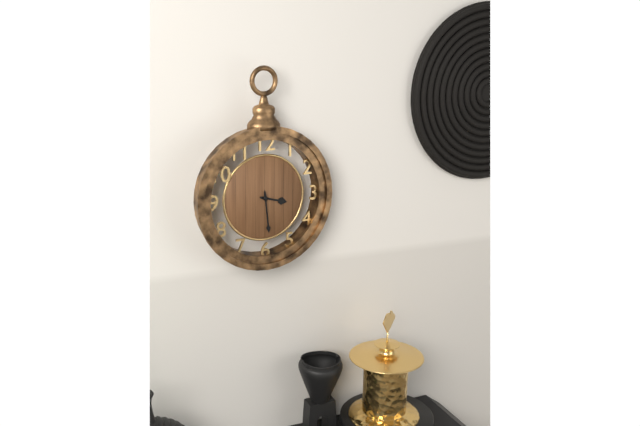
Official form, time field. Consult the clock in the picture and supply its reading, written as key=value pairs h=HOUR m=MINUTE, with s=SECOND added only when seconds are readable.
h=3 m=29
